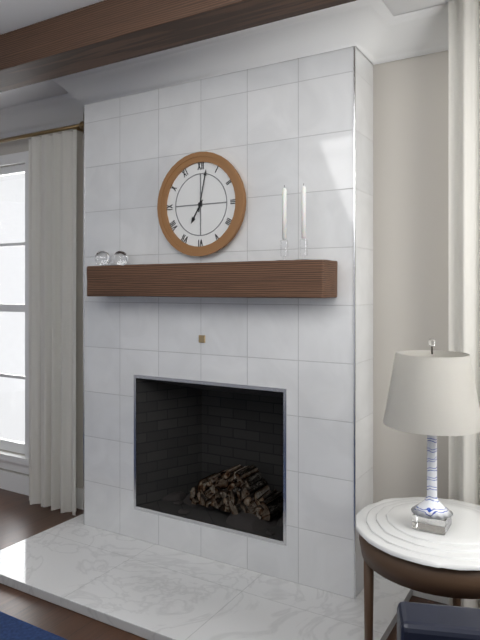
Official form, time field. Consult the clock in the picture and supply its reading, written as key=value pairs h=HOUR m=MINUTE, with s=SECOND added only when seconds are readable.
h=7 m=2
